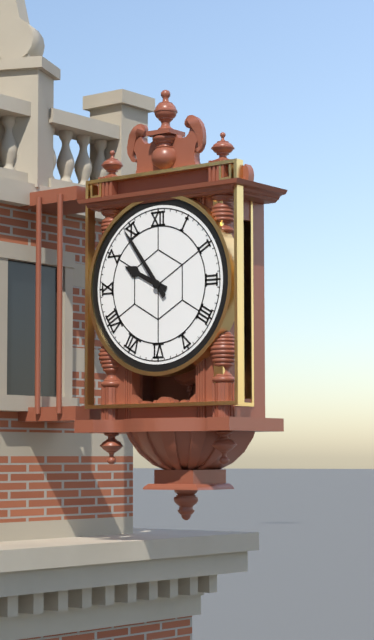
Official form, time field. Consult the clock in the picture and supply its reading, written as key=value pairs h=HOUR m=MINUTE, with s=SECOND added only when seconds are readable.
h=9 m=54
